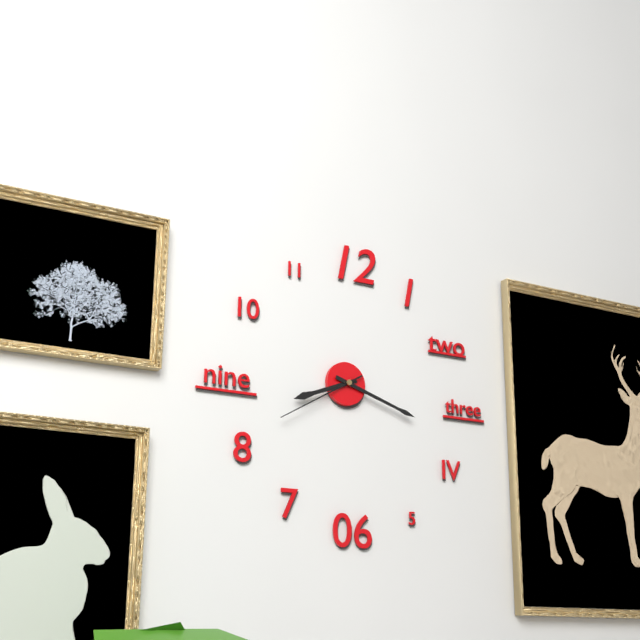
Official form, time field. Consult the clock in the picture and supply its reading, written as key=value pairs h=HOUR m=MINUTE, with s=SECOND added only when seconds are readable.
h=8 m=18 s=40
